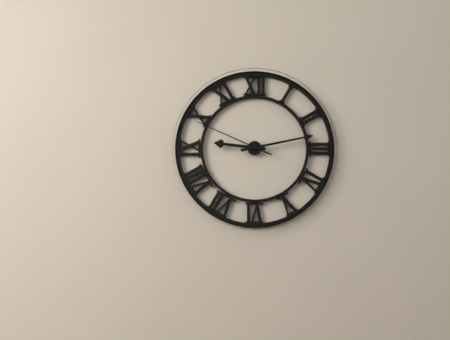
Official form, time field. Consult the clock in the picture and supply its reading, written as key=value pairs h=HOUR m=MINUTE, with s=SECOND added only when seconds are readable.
h=9 m=13 s=49
